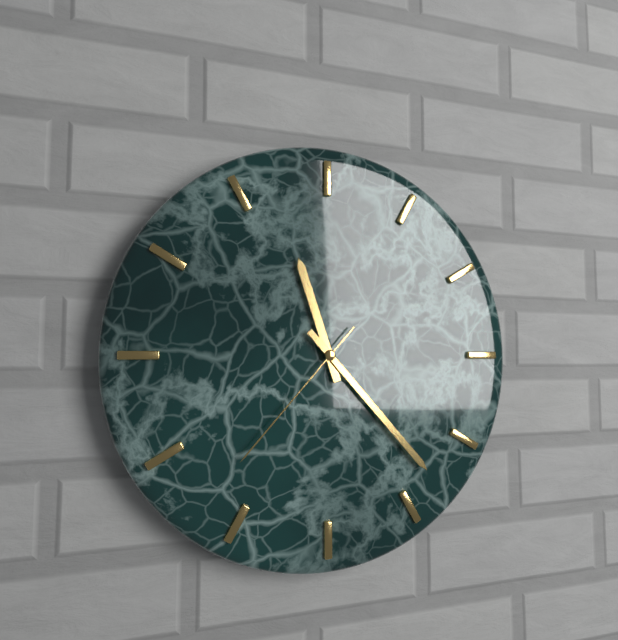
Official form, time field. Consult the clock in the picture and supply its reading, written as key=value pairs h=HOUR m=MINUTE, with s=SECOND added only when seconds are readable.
h=11 m=23 s=37
